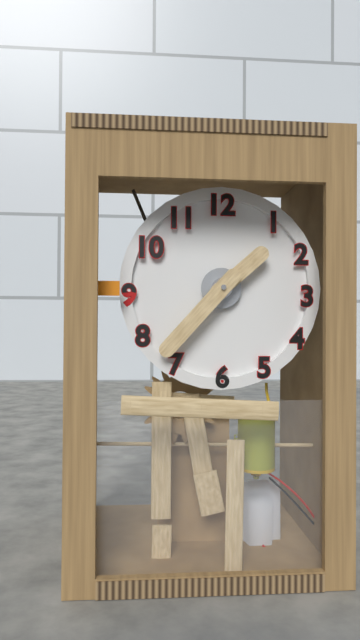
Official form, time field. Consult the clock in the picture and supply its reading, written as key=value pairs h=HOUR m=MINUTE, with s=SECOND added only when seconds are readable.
h=1 m=37
